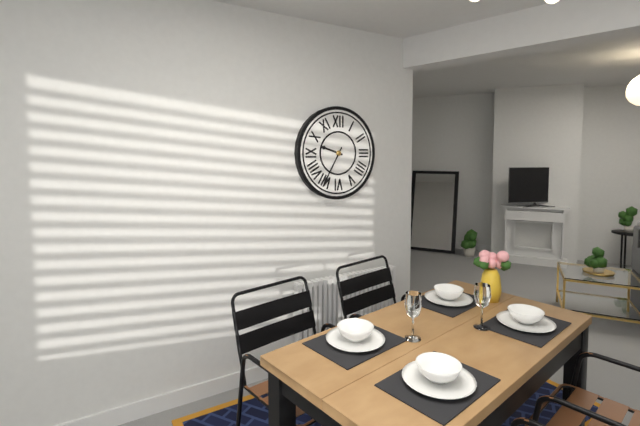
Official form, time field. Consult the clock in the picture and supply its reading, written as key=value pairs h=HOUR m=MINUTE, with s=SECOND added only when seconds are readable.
h=9 m=35
